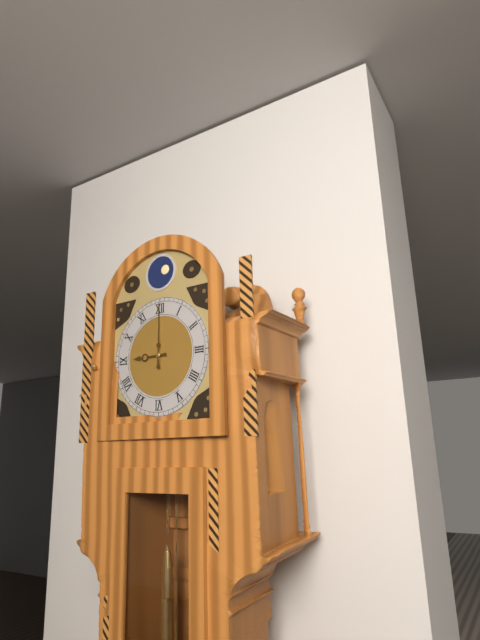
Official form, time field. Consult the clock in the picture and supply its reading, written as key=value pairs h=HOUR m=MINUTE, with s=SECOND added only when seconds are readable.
h=9 m=0
